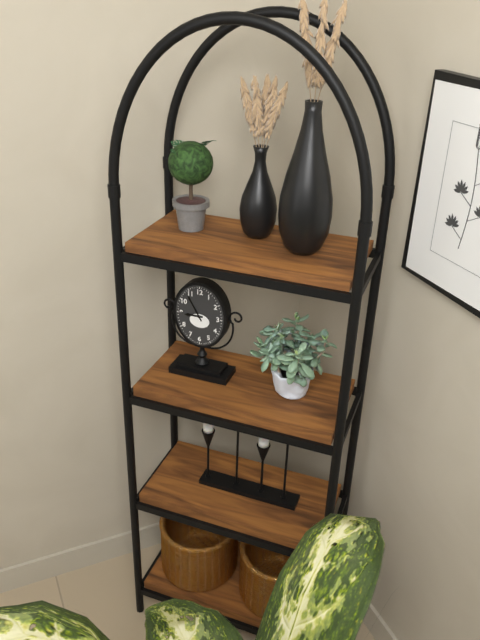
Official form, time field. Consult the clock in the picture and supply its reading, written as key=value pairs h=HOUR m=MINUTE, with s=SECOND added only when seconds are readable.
h=8 m=55
